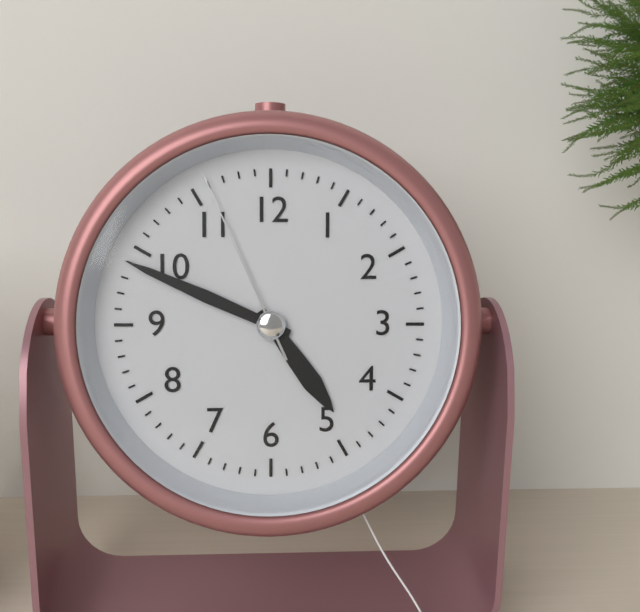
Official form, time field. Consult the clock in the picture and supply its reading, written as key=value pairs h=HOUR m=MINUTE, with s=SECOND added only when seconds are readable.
h=4 m=49 s=56
